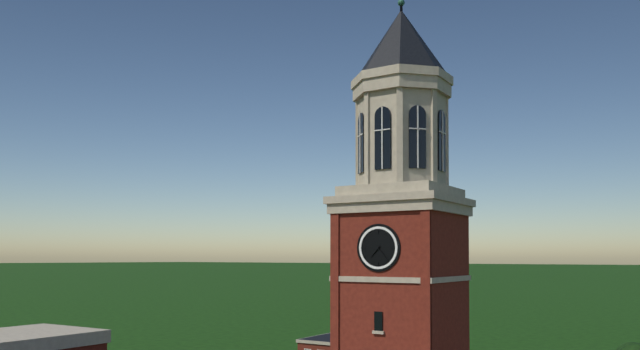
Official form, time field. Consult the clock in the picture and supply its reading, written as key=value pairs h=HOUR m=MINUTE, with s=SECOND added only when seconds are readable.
h=7 m=23
